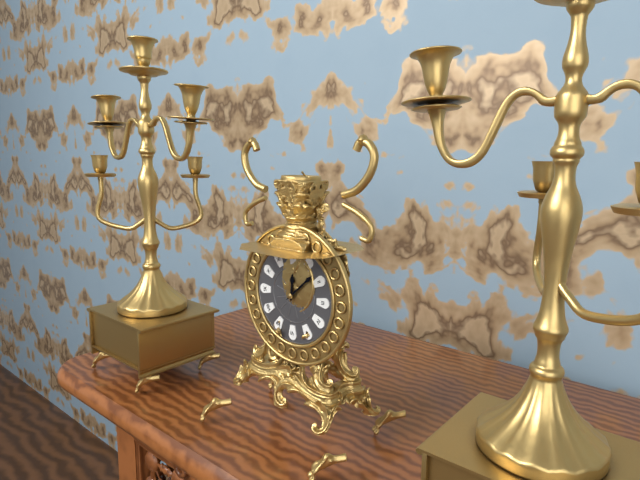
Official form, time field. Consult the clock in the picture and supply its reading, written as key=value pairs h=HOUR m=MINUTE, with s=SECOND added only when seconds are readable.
h=12 m=8
